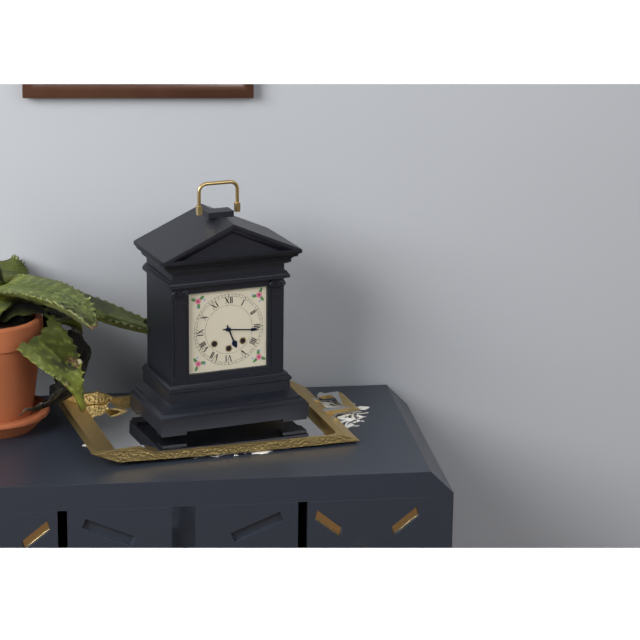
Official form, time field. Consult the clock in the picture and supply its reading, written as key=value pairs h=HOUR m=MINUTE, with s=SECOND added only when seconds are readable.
h=5 m=16
